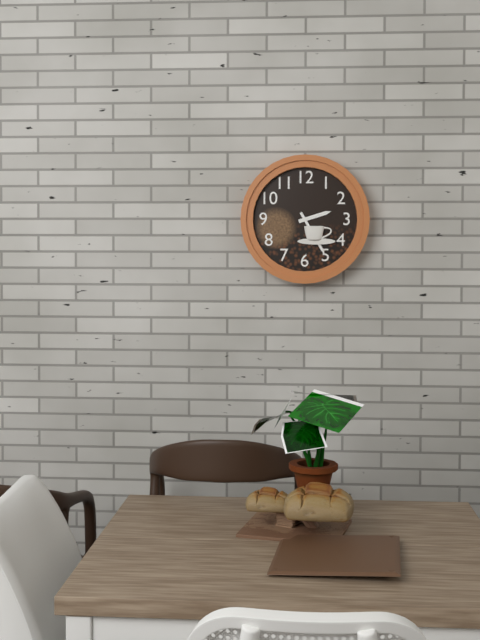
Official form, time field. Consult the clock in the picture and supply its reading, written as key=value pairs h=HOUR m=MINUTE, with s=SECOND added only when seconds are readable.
h=2 m=25
